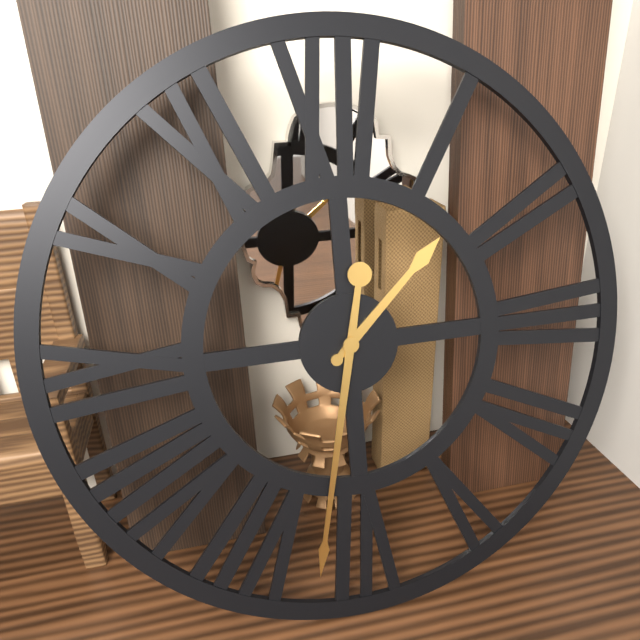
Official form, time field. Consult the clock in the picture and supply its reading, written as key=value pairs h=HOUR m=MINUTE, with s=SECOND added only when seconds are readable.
h=1 m=32
